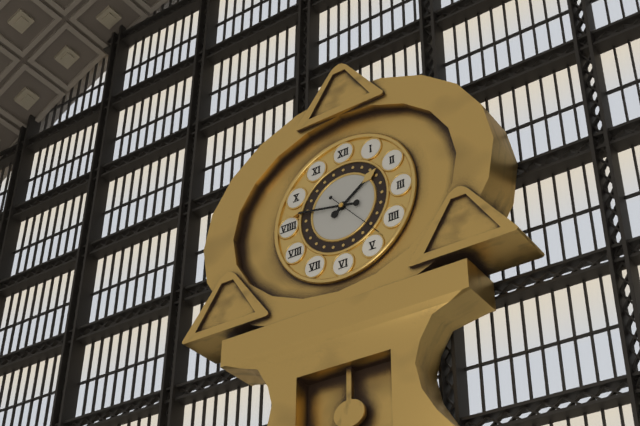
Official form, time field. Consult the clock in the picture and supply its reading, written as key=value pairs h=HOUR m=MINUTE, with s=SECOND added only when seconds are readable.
h=1 m=47 s=23
